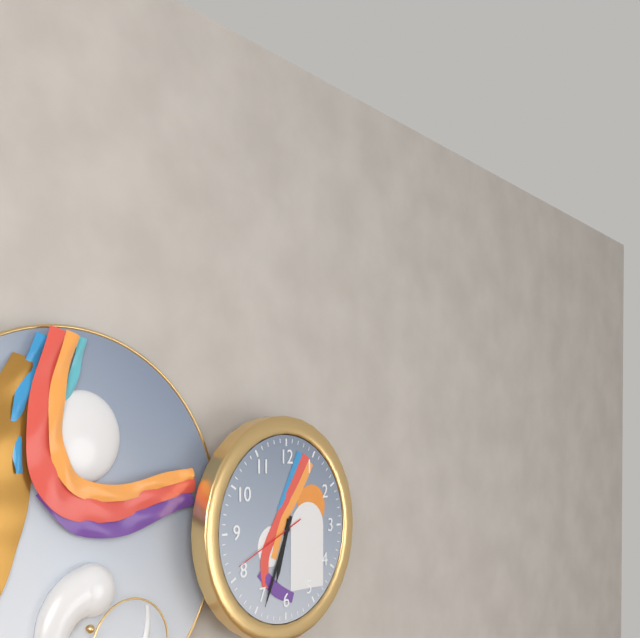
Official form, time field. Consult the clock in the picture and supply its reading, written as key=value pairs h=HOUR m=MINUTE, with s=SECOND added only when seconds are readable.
h=6 m=34 s=41
